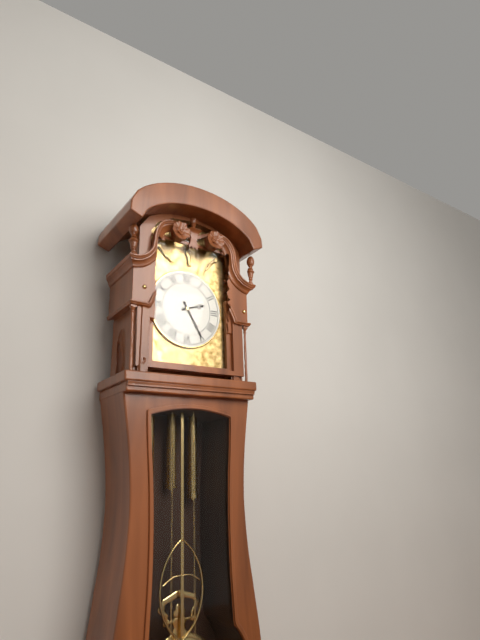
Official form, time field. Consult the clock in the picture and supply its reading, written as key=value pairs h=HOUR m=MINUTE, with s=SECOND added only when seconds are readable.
h=2 m=25
